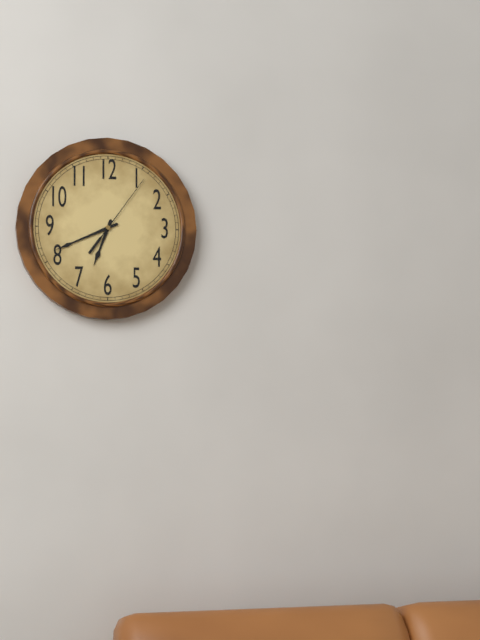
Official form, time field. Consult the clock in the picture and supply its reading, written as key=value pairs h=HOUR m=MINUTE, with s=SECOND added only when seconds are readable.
h=6 m=41 s=6
